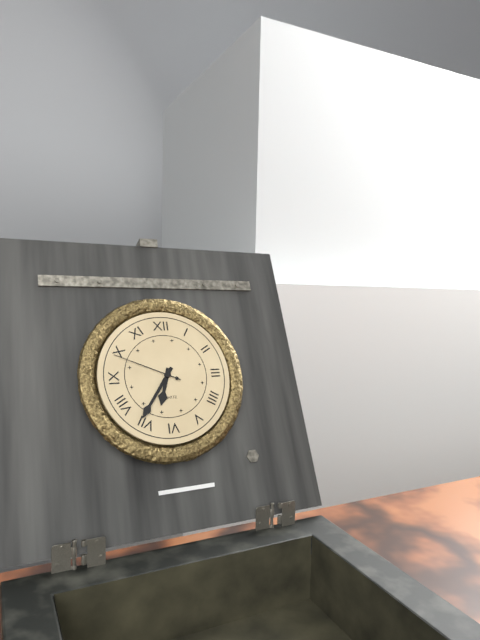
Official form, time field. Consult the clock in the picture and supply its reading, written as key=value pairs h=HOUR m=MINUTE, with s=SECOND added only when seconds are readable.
h=6 m=36 s=49
